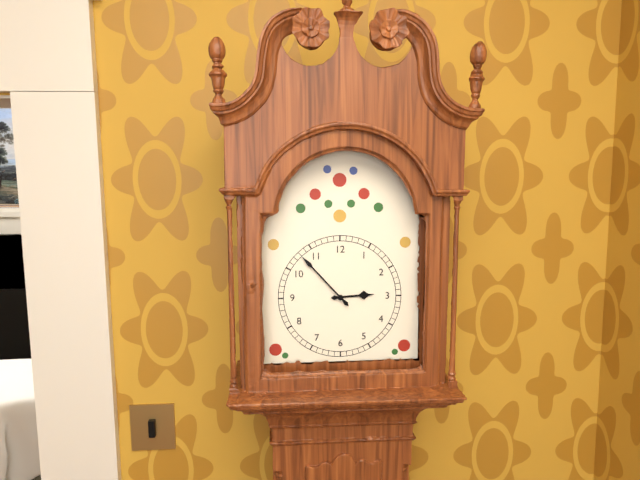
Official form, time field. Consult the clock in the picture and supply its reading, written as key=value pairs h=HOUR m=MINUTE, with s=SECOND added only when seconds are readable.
h=2 m=53
